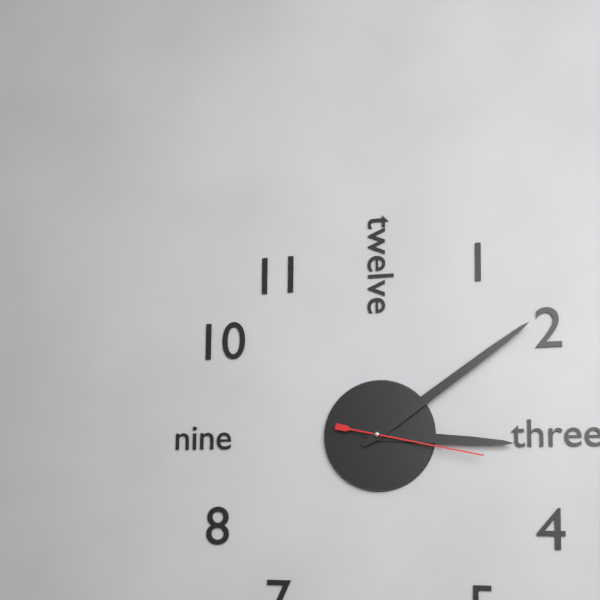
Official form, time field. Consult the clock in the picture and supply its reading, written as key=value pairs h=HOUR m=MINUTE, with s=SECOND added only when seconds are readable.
h=3 m=9 s=17
